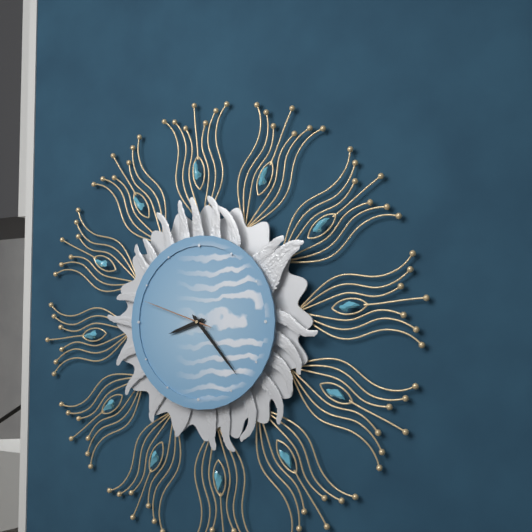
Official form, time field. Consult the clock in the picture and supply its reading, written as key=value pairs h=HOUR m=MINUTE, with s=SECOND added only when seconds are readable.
h=8 m=23 s=48
